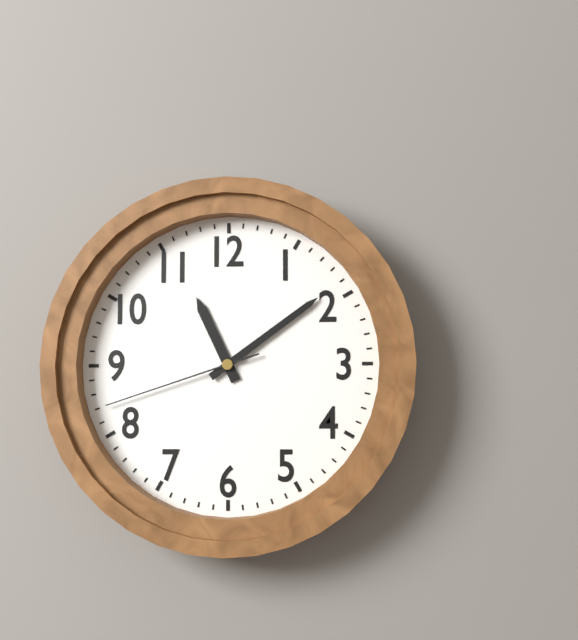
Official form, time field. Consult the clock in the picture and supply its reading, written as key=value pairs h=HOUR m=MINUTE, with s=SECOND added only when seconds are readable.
h=11 m=9 s=42
